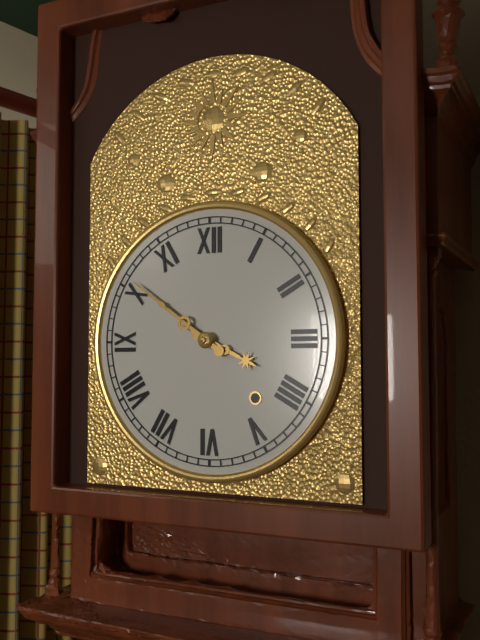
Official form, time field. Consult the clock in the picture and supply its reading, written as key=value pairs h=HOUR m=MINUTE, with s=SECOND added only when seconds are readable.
h=3 m=51
